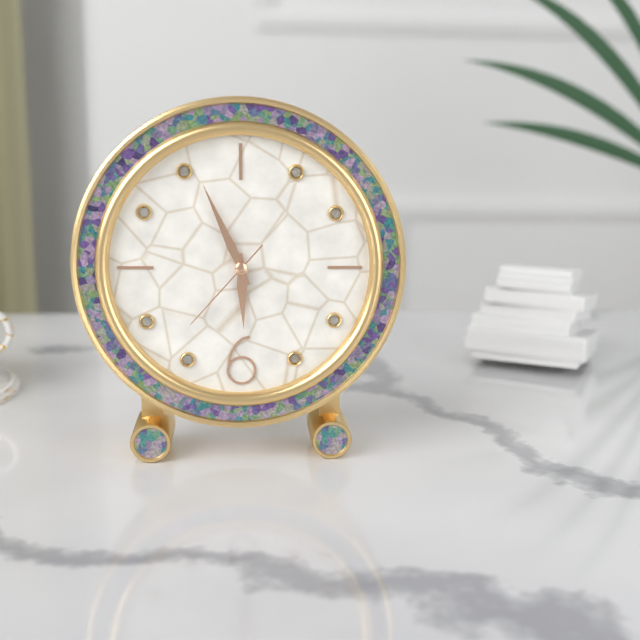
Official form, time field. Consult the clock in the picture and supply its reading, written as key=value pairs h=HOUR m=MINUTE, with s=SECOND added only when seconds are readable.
h=5 m=56 s=37
